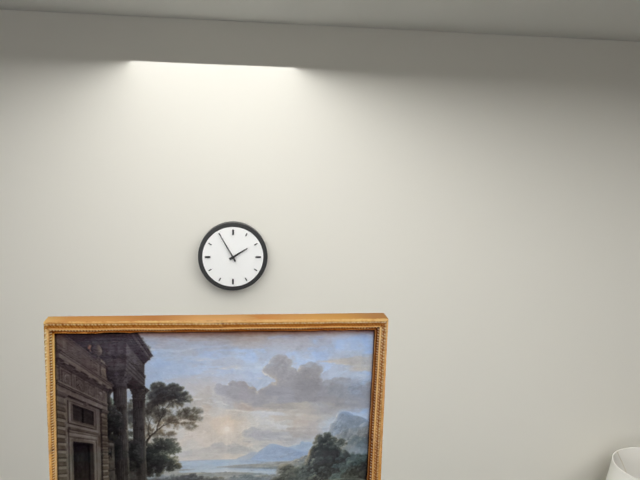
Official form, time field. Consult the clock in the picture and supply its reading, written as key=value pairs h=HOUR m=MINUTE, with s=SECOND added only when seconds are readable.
h=1 m=55
